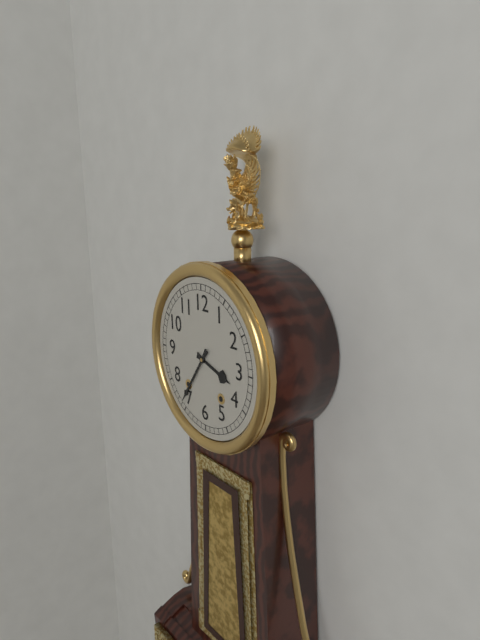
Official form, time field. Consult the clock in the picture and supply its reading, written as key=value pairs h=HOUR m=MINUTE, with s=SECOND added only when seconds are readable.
h=3 m=36
